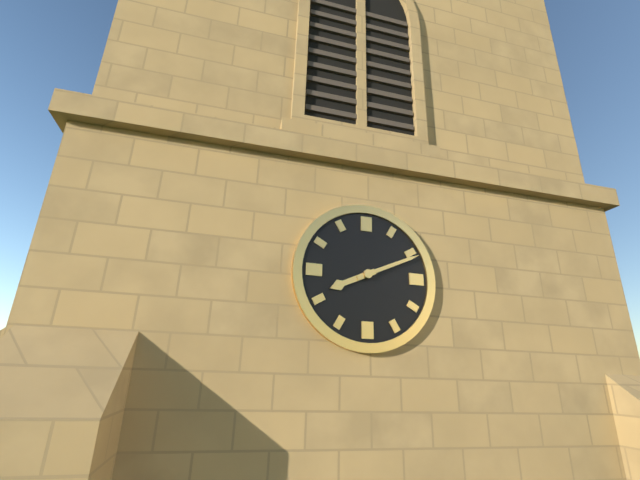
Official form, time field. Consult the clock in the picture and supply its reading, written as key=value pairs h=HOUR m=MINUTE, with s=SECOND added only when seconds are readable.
h=8 m=11
